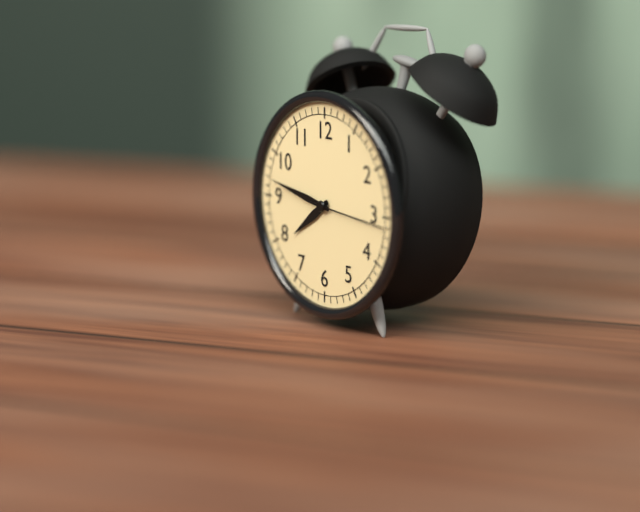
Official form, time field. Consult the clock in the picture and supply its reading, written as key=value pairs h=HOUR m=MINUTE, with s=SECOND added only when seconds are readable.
h=7 m=47 s=16
